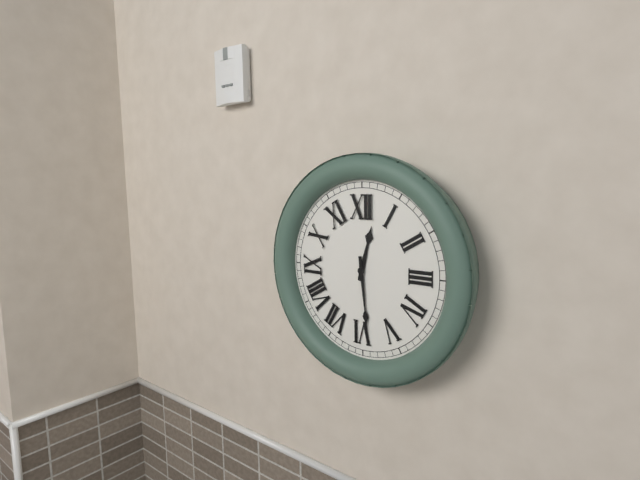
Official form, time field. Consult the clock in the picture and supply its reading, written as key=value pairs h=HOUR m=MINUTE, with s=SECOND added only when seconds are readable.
h=12 m=29
